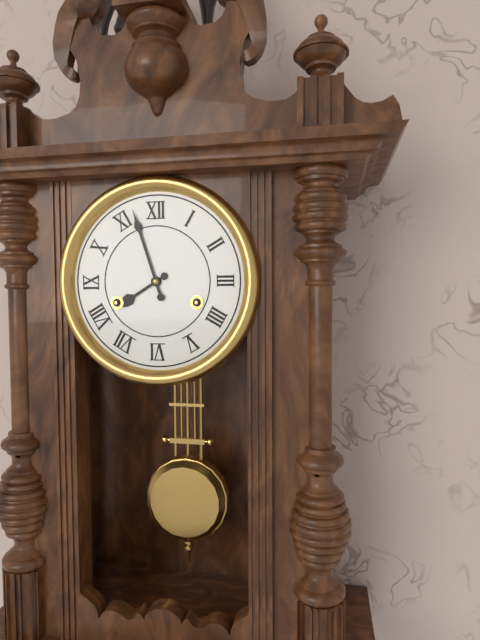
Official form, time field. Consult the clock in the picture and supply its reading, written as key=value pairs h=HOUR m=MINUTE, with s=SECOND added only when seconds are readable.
h=7 m=57
